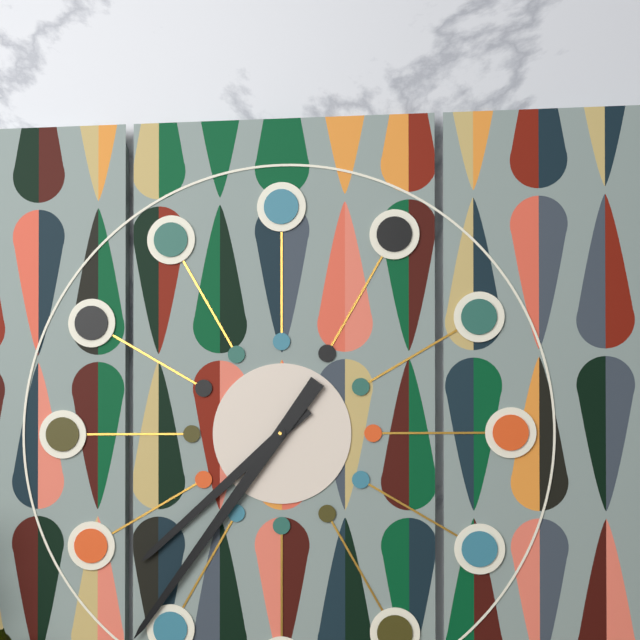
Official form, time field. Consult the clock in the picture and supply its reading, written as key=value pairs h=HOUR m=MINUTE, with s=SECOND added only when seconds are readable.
h=7 m=36
